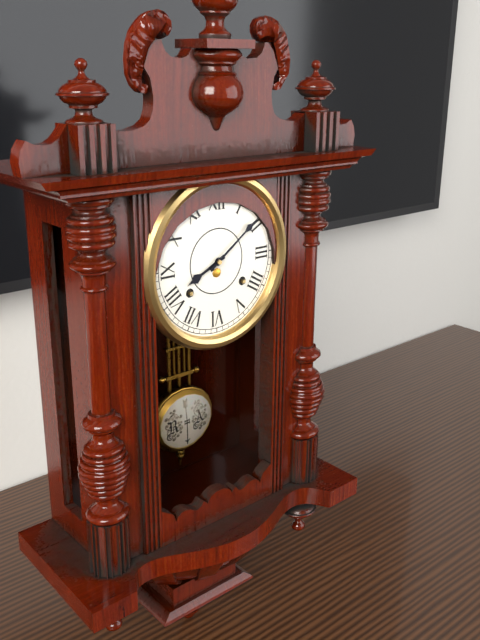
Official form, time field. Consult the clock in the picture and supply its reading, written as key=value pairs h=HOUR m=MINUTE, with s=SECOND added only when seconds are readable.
h=8 m=9
